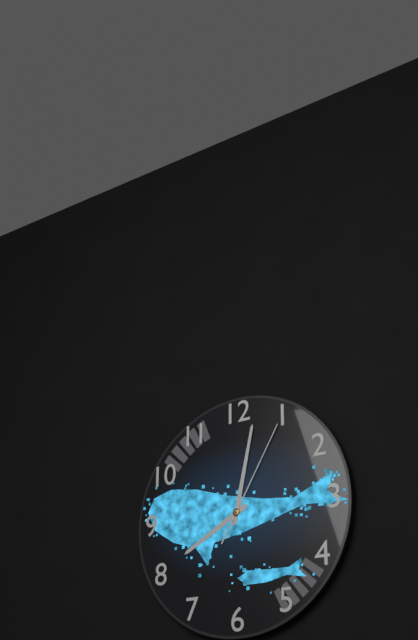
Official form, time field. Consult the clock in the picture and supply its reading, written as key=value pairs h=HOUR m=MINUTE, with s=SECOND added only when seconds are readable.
h=8 m=2 s=5
